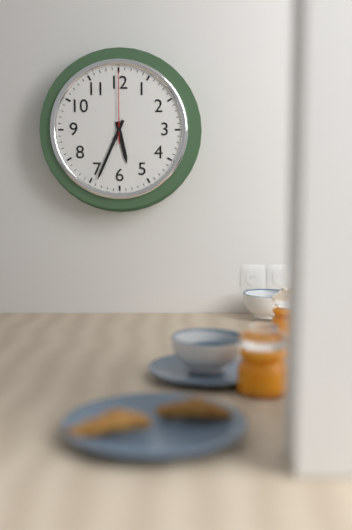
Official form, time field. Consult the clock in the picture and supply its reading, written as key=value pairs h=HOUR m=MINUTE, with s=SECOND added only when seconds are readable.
h=5 m=34 s=0
